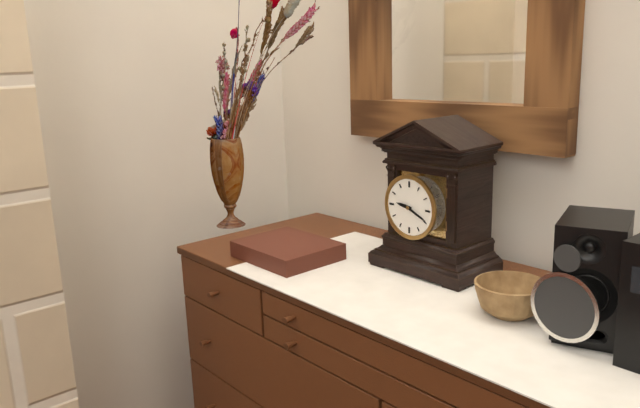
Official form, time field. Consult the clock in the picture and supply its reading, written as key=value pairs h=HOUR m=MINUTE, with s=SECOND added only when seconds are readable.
h=9 m=19
